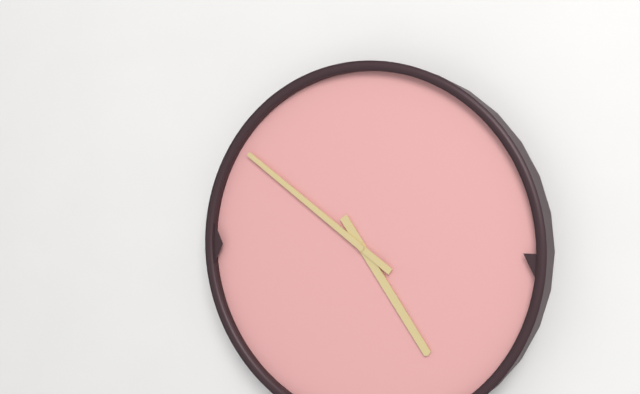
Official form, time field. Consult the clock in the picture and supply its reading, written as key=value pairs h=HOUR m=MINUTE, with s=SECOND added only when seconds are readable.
h=4 m=51
